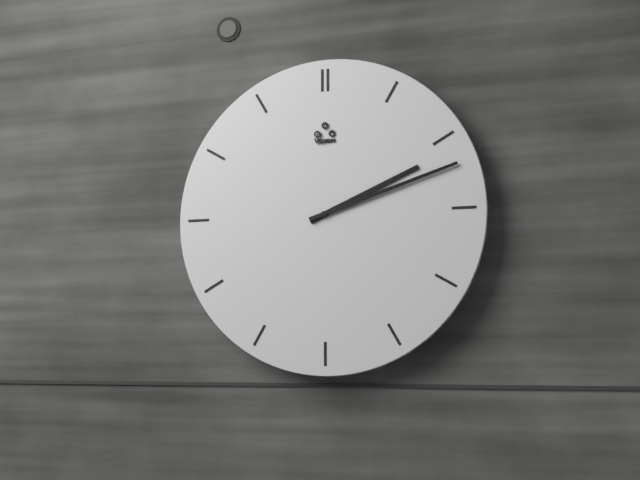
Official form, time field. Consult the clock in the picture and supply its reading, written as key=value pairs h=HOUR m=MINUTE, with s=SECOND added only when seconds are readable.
h=2 m=12
